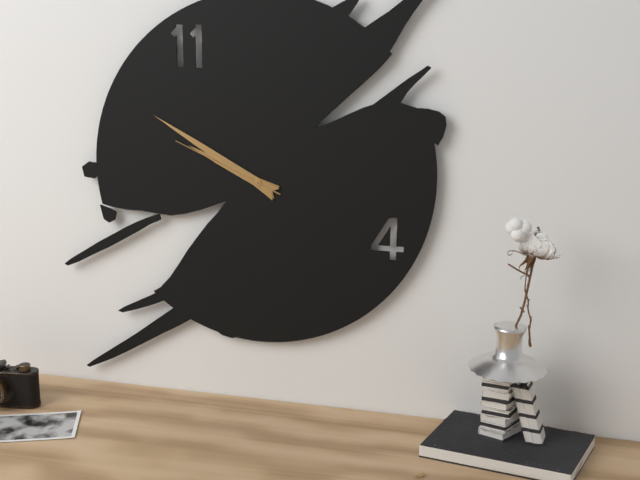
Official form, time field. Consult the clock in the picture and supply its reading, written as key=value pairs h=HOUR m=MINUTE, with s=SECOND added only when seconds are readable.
h=9 m=50 s=49
